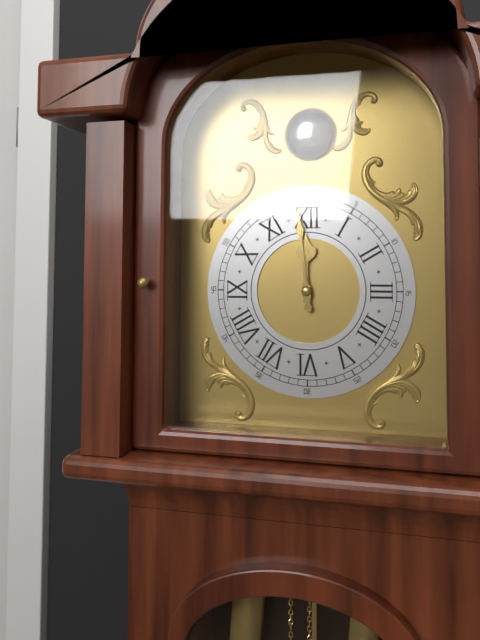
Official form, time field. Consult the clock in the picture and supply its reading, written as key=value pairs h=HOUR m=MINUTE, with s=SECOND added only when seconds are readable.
h=11 m=59
